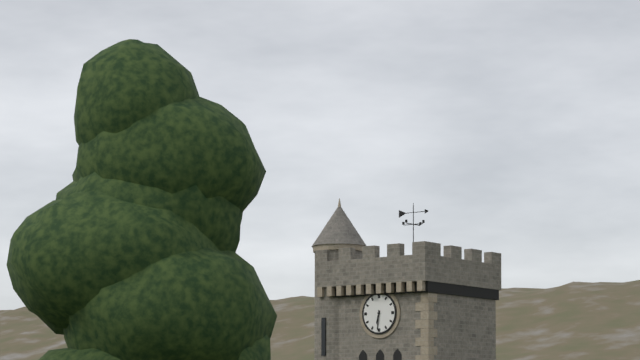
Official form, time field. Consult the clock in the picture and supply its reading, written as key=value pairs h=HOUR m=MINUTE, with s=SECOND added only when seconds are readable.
h=6 m=31
